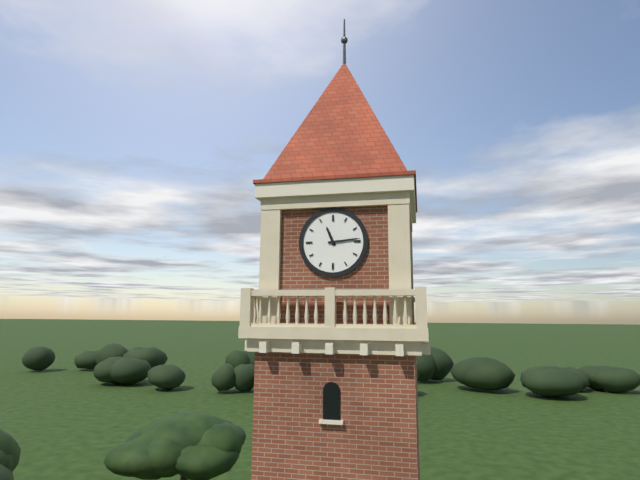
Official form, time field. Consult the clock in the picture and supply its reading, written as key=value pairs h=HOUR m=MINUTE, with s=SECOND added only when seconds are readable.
h=11 m=14
